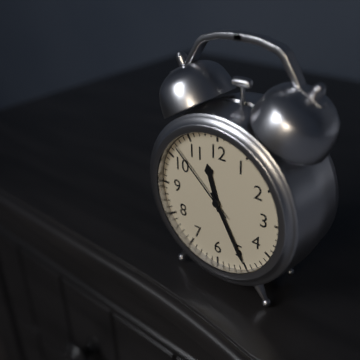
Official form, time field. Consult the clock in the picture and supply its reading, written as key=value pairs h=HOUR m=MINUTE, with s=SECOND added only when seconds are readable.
h=11 m=25 s=52
